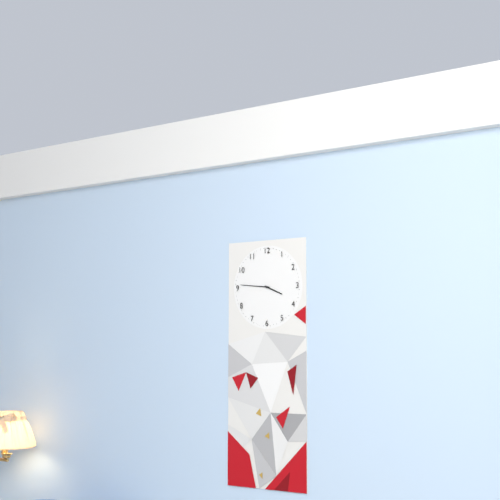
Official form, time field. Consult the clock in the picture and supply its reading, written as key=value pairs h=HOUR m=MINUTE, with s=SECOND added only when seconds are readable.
h=3 m=46
